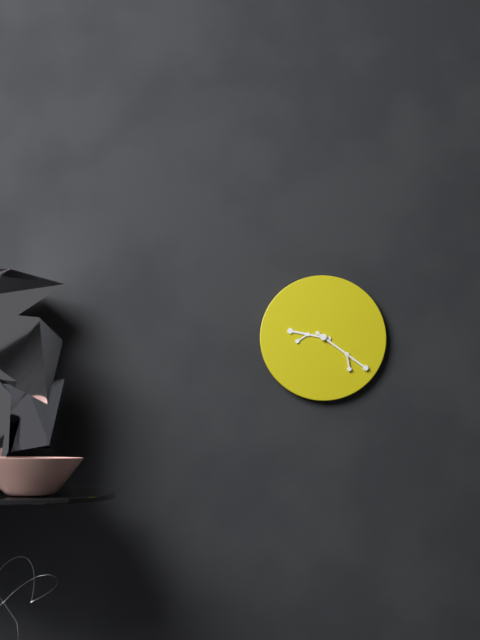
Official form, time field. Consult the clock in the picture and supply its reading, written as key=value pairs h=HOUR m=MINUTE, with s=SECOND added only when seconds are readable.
h=9 m=21
